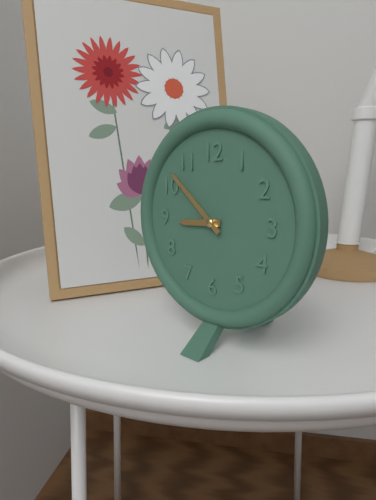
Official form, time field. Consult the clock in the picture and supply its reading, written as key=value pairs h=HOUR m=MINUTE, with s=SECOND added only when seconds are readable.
h=8 m=52
